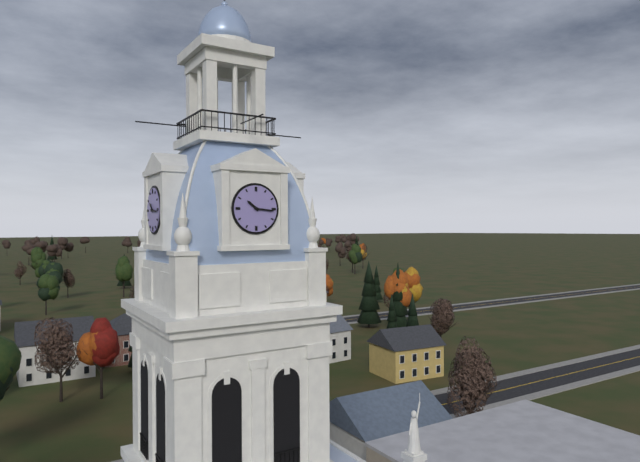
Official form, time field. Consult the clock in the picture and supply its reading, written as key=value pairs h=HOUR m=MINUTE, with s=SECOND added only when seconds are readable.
h=10 m=16
